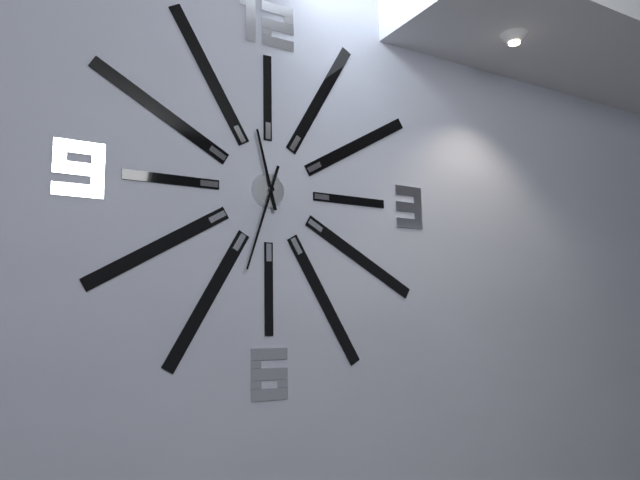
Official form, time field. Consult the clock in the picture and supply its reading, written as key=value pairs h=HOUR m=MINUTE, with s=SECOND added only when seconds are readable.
h=11 m=33
